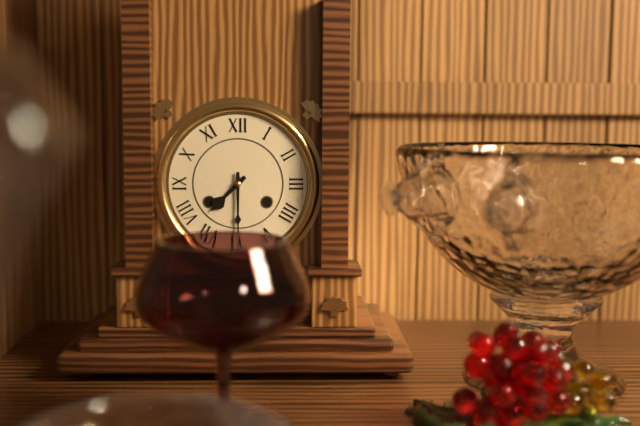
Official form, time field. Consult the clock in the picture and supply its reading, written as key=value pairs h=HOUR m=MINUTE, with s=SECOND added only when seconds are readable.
h=7 m=30
